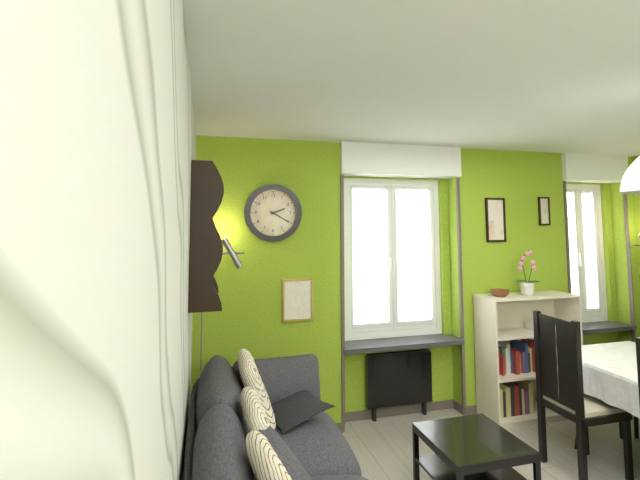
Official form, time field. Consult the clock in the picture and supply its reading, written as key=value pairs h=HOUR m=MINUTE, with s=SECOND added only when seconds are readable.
h=2 m=20
